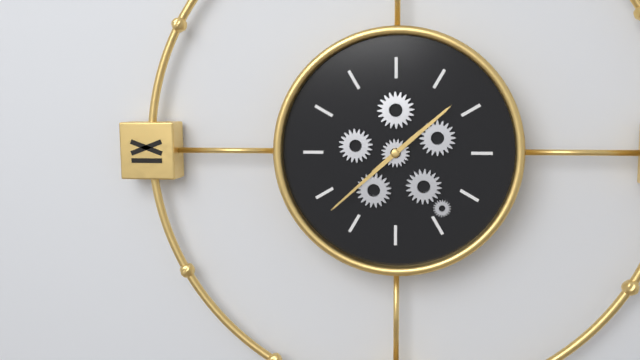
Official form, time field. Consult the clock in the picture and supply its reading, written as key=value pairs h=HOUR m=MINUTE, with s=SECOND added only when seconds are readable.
h=1 m=38
